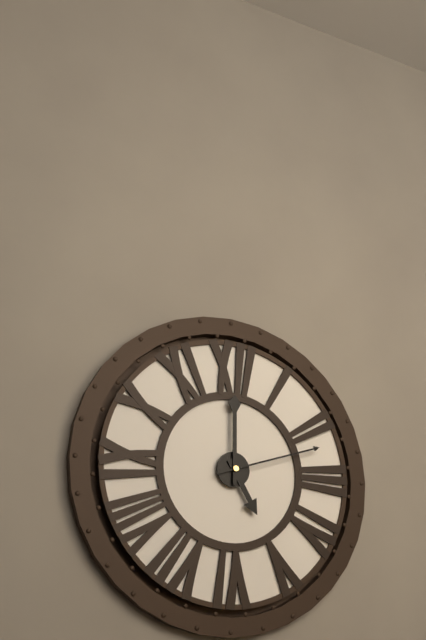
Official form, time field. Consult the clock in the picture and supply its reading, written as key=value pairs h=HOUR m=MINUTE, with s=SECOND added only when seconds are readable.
h=5 m=0 s=12
